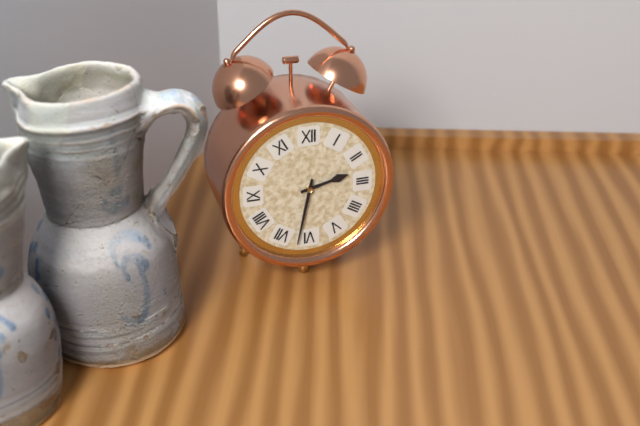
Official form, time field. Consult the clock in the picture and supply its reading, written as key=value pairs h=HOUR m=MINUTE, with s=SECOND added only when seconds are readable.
h=2 m=32
